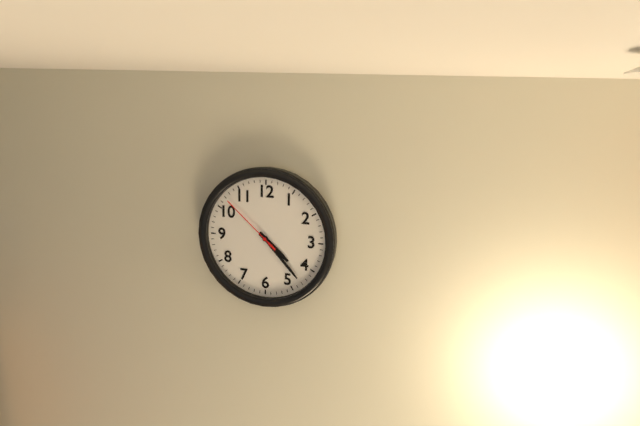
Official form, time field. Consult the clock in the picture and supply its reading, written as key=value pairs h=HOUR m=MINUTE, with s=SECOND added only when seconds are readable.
h=4 m=23 s=52
